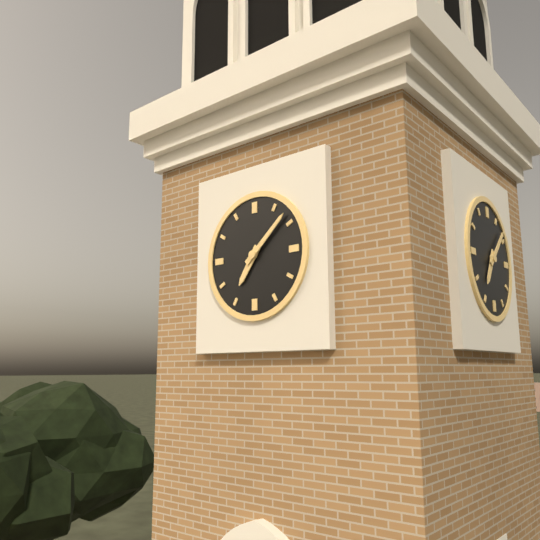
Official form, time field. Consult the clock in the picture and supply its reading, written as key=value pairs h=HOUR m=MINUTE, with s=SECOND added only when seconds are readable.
h=7 m=8
